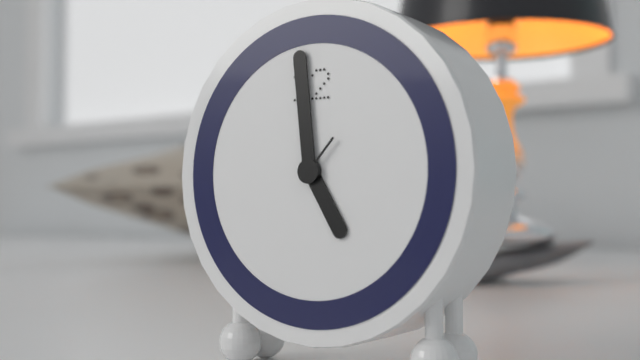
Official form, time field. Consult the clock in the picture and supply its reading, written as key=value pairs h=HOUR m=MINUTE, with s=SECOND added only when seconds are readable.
h=4 m=59
